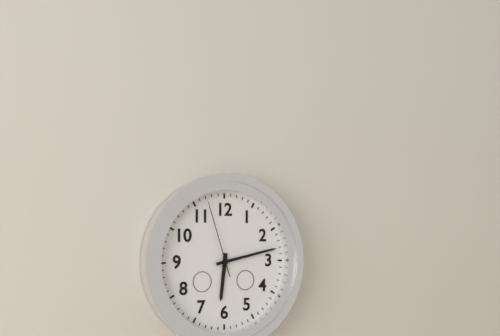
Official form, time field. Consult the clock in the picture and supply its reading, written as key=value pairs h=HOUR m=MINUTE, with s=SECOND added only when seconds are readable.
h=6 m=13 s=57
